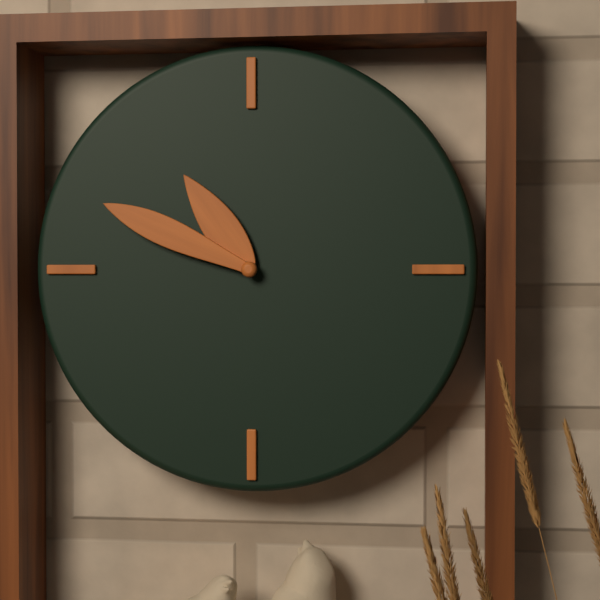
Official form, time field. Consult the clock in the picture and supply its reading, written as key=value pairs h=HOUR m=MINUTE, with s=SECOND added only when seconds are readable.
h=10 m=49
